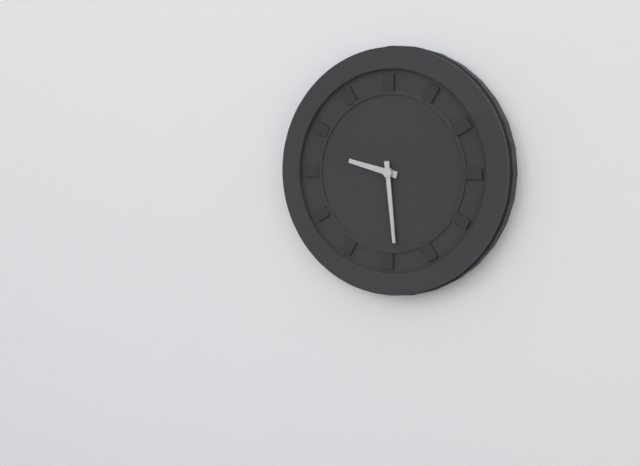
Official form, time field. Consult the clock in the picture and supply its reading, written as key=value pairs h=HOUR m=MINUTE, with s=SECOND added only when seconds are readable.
h=9 m=29
